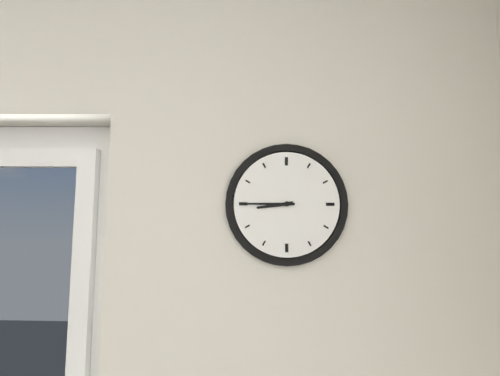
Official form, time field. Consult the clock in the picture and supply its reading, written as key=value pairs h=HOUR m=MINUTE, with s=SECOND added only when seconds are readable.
h=8 m=45
